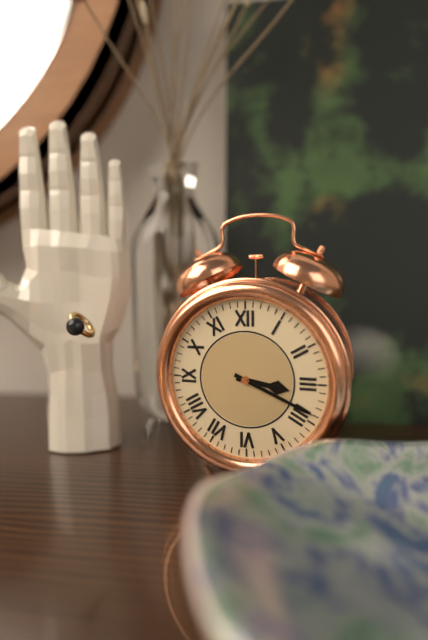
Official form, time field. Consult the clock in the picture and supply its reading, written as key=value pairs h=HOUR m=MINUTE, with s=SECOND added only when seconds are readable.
h=3 m=19
